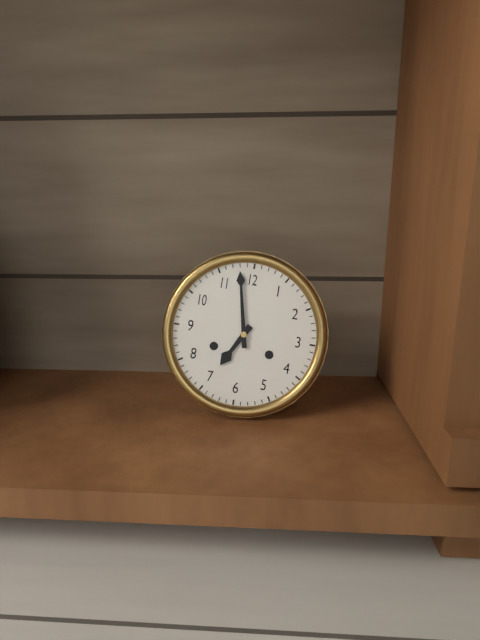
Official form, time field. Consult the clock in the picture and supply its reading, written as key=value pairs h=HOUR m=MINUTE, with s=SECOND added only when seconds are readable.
h=6 m=58
